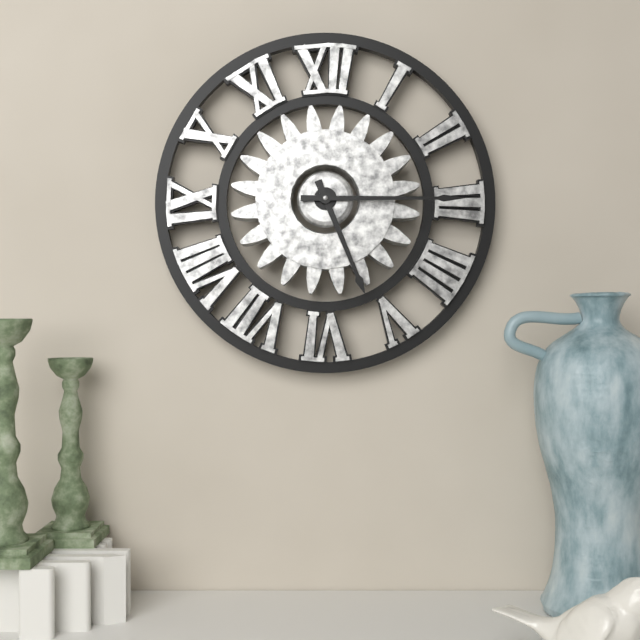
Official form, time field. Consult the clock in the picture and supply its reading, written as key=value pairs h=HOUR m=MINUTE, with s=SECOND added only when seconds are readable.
h=5 m=15
